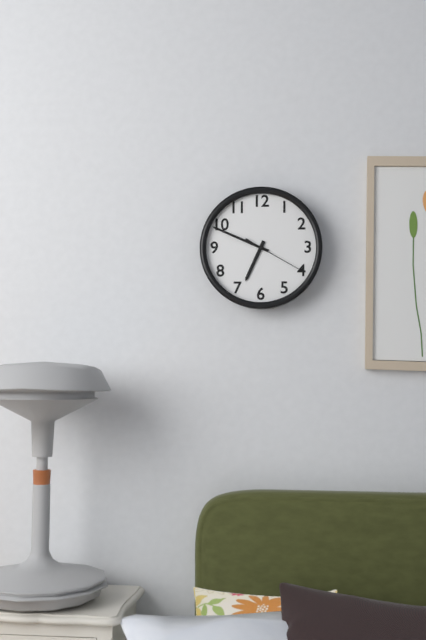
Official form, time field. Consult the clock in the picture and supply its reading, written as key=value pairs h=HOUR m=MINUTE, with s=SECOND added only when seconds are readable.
h=6 m=49 s=20
